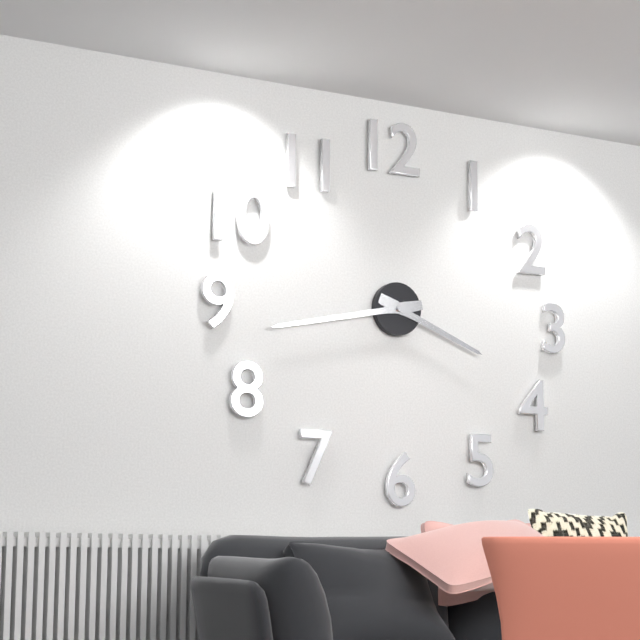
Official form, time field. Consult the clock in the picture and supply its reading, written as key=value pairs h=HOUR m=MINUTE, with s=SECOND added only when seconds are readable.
h=3 m=43
